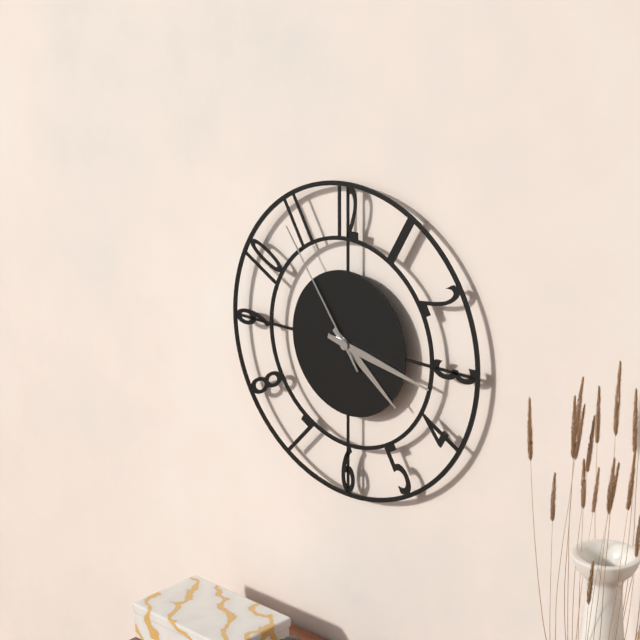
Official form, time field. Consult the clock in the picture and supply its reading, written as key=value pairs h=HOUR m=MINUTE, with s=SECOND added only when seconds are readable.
h=4 m=17 s=54
